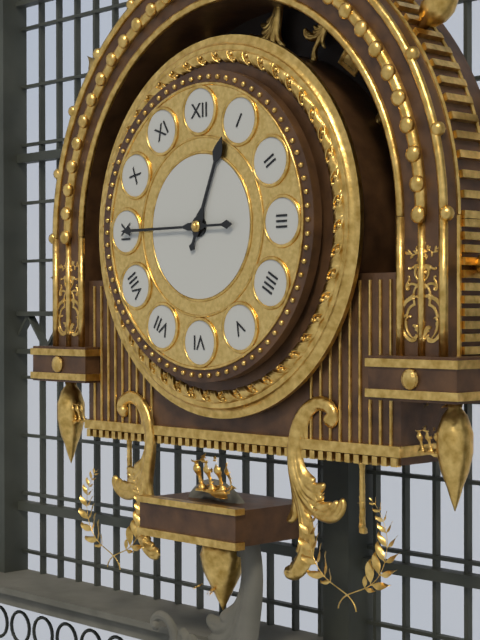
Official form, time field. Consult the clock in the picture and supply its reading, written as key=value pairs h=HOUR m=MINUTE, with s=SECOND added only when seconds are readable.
h=12 m=45
